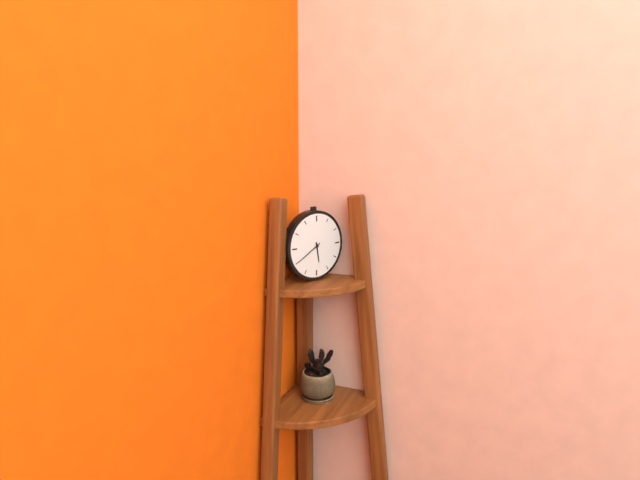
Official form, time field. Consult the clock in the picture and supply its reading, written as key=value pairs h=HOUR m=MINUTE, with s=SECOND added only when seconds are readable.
h=5 m=40
